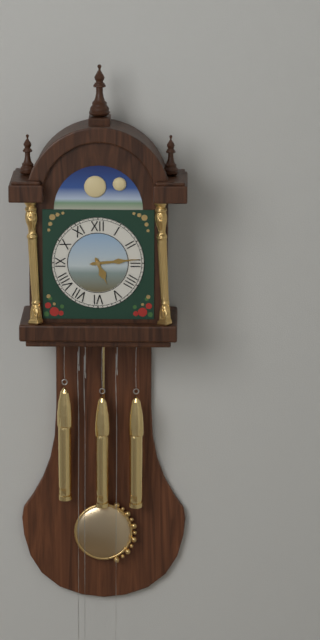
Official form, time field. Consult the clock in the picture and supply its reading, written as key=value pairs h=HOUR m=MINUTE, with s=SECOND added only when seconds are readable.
h=5 m=14
